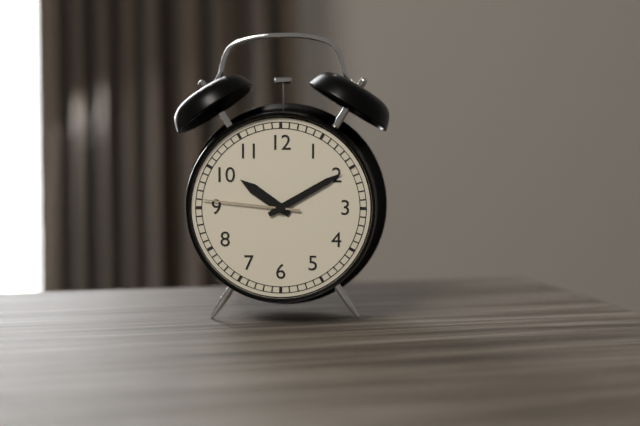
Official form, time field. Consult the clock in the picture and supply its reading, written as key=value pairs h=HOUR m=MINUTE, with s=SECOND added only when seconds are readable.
h=10 m=10 s=46
